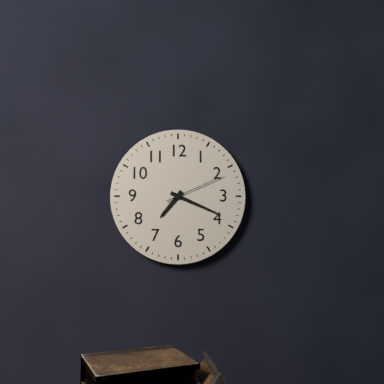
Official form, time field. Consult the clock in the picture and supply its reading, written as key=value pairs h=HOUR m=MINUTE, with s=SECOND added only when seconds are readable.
h=7 m=19 s=11
